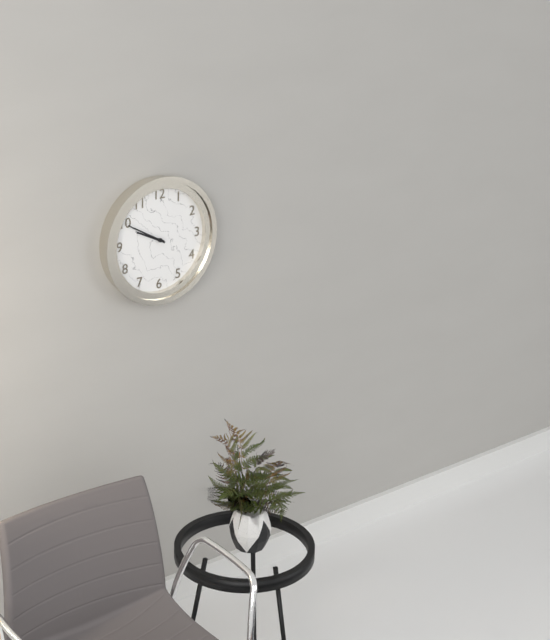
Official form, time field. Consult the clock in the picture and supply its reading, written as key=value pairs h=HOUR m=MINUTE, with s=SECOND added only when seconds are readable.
h=9 m=50
